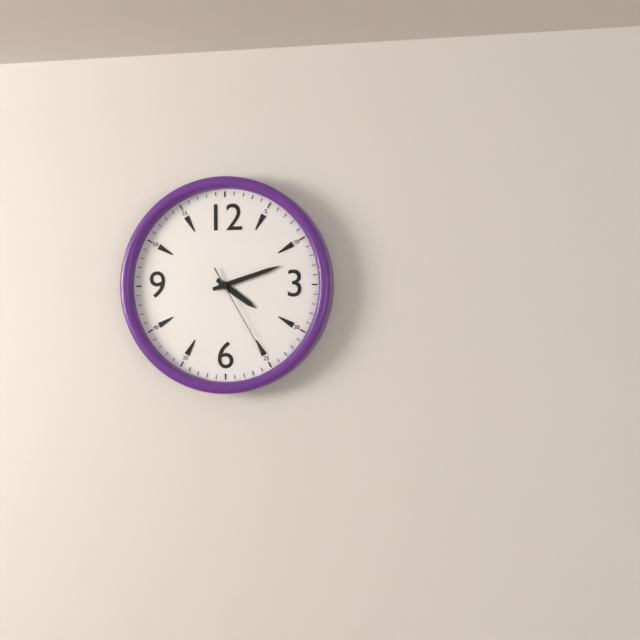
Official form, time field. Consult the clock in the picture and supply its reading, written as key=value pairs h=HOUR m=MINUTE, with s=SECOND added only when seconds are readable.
h=4 m=12 s=25
